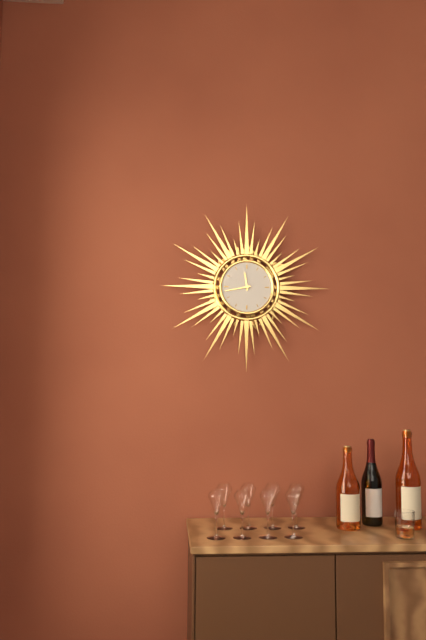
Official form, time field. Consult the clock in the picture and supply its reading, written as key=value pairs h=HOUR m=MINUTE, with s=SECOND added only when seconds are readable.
h=11 m=43
